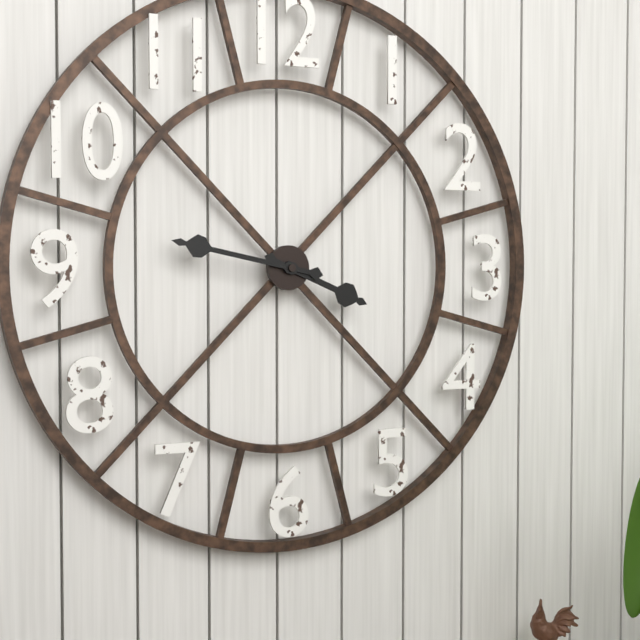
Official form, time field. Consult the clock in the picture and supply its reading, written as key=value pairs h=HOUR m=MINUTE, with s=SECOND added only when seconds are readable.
h=3 m=47
